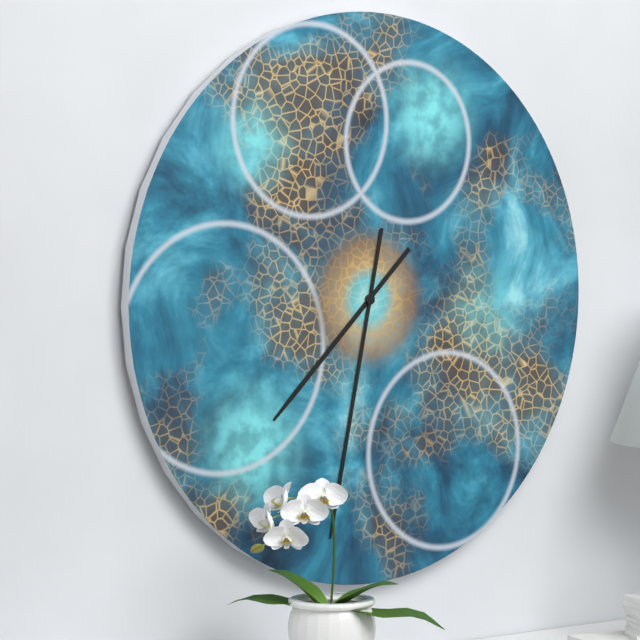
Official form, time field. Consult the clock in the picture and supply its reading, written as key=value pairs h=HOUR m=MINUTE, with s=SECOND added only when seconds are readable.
h=7 m=32
